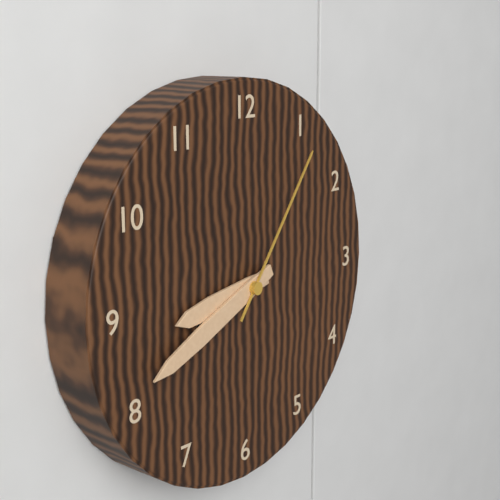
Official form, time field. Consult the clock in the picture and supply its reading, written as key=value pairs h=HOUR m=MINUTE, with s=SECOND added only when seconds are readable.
h=8 m=41 s=6
